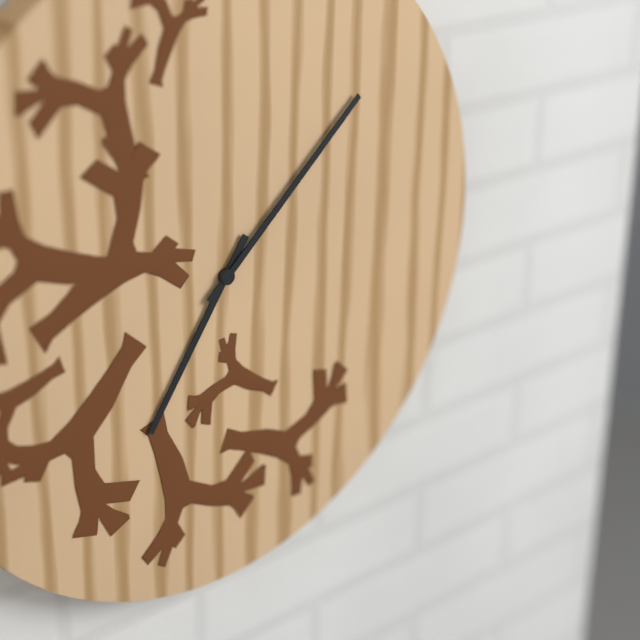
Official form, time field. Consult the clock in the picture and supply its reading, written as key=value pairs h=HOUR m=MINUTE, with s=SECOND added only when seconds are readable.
h=7 m=8
